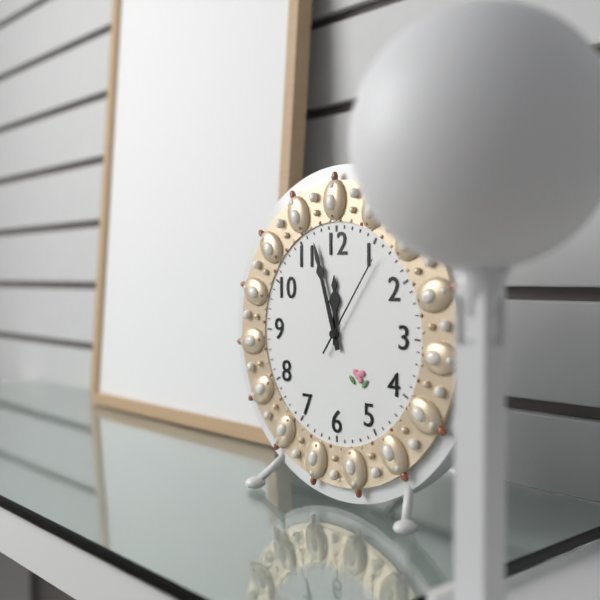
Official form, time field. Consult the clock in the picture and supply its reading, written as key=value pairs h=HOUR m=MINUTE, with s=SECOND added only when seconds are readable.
h=11 m=57 s=6
